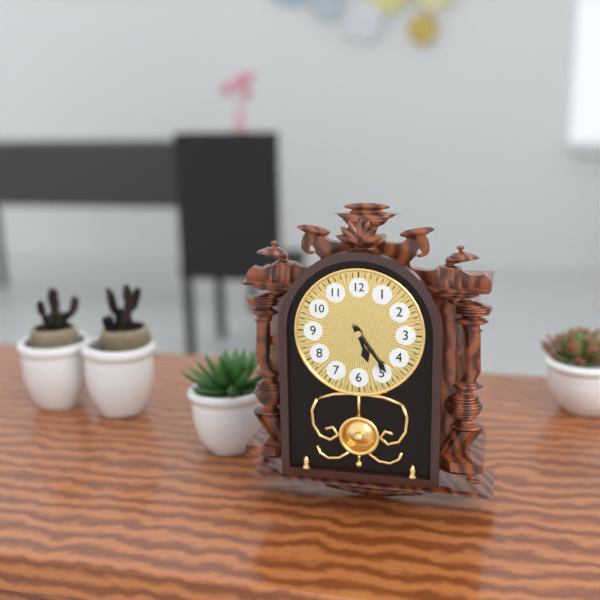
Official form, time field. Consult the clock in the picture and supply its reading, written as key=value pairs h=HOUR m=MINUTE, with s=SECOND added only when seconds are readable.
h=5 m=24
